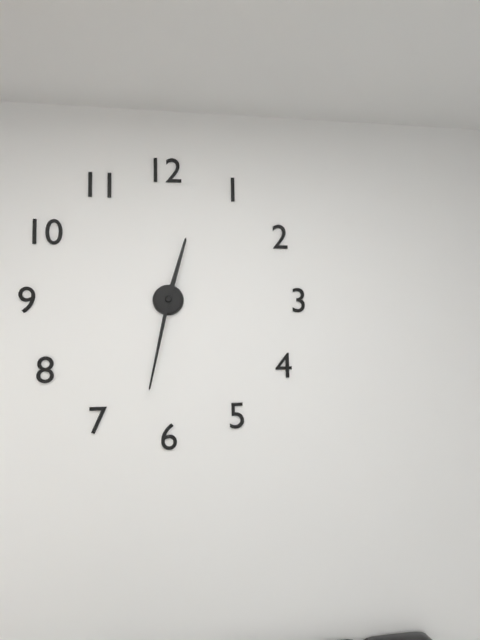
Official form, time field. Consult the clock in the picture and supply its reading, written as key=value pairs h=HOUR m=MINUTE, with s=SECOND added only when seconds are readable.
h=12 m=32
